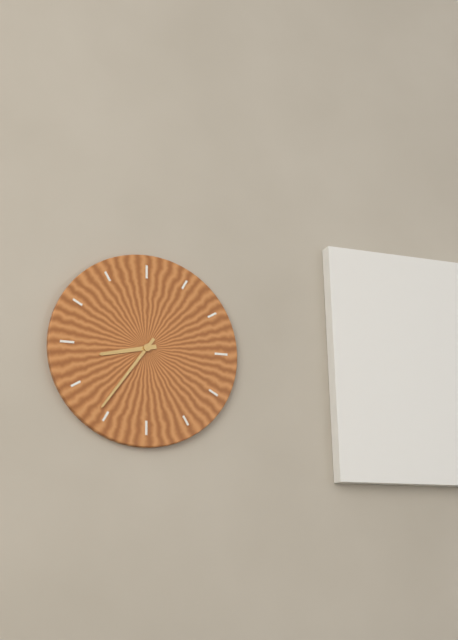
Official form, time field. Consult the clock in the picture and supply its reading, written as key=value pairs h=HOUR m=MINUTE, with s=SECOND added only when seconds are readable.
h=8 m=36
